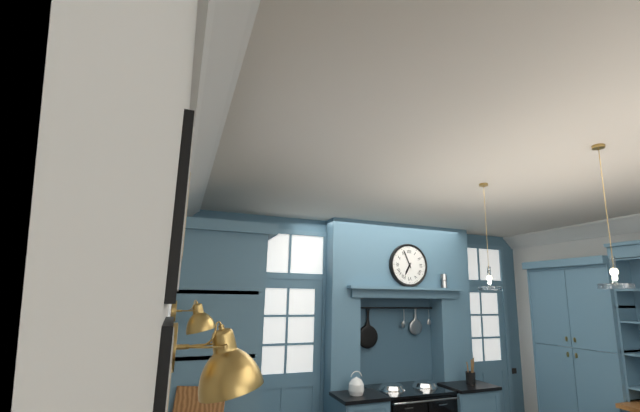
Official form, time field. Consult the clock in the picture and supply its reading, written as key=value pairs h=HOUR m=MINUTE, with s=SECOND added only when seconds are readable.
h=6 m=56
